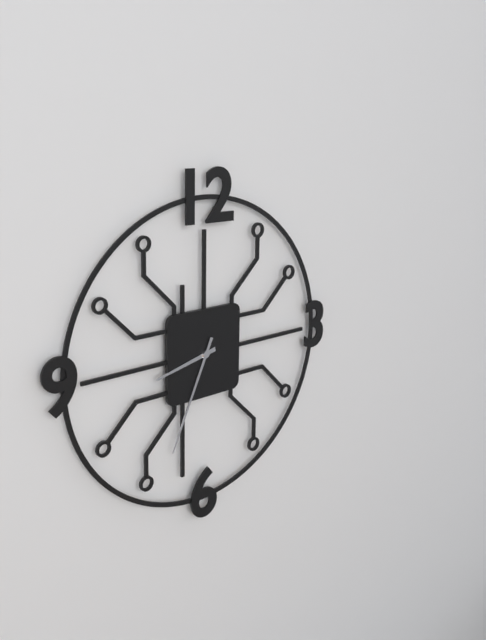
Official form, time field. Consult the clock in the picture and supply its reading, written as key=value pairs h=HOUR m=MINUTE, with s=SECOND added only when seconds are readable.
h=8 m=34
